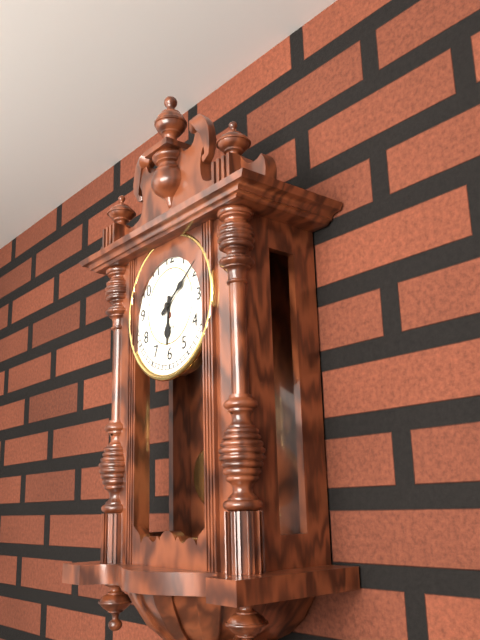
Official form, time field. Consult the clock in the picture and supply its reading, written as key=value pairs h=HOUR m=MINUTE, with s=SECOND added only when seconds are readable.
h=6 m=9
